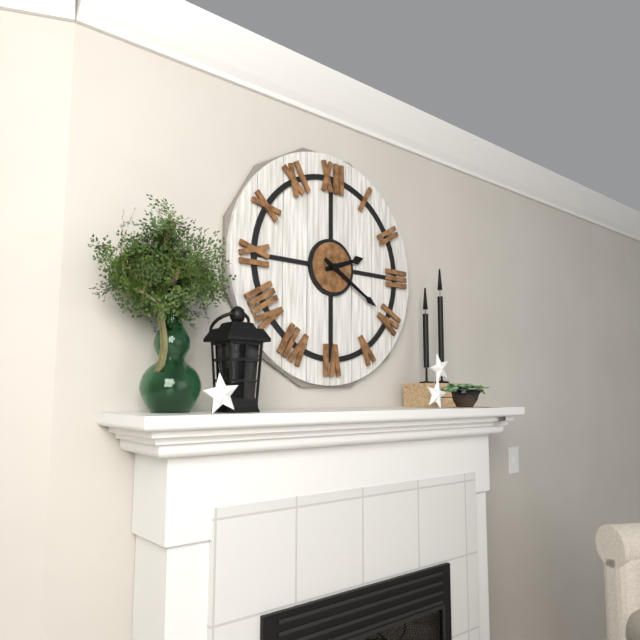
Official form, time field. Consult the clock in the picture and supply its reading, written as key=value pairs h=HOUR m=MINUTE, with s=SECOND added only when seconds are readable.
h=2 m=20
